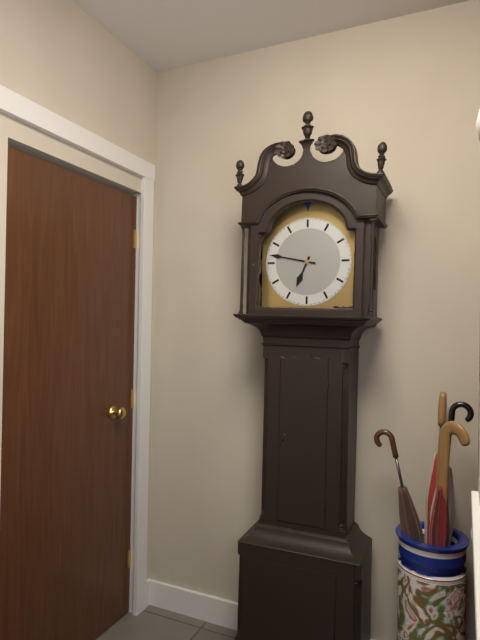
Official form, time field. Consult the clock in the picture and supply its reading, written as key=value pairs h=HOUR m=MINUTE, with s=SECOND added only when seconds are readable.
h=6 m=47
